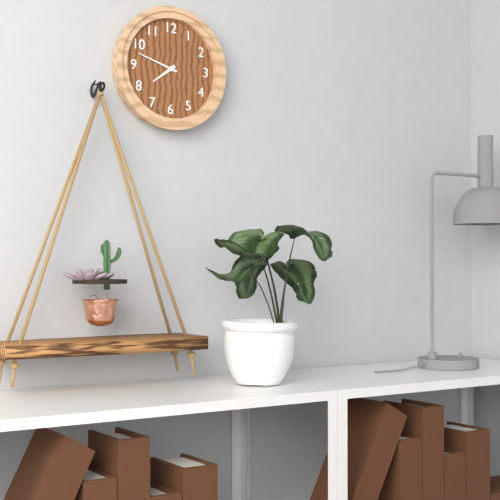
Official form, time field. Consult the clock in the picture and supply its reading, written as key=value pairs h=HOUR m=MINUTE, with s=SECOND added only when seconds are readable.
h=7 m=48
